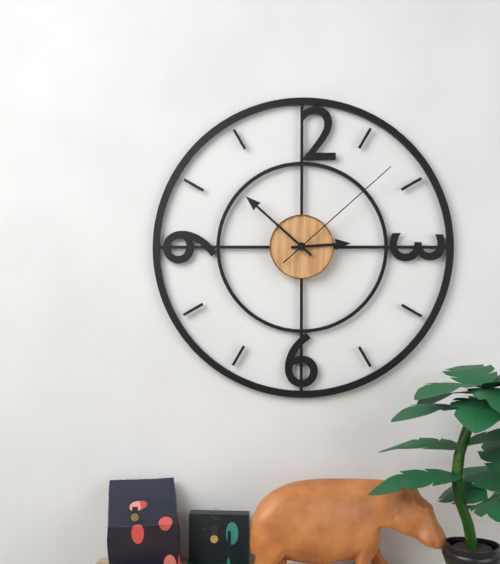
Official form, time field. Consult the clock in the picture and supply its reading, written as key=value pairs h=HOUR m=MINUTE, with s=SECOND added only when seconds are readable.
h=2 m=52 s=8
